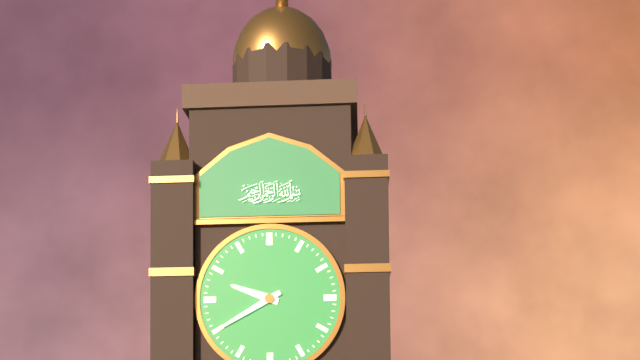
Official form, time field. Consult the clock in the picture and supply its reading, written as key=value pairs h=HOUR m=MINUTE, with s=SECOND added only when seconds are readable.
h=9 m=40
